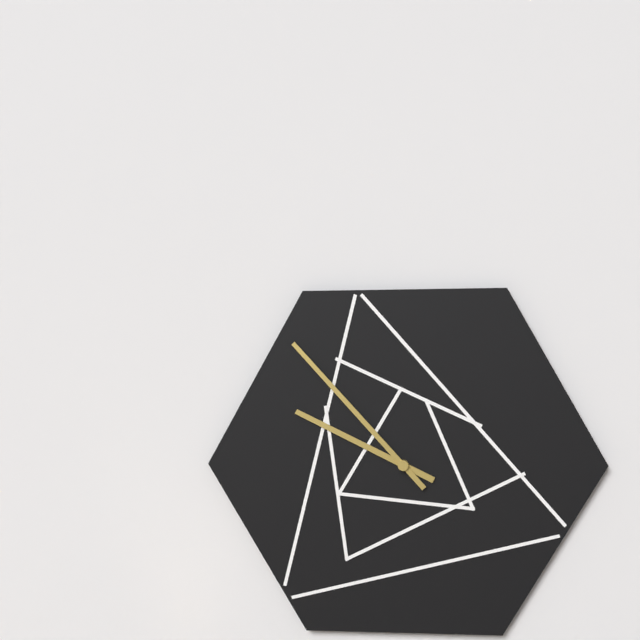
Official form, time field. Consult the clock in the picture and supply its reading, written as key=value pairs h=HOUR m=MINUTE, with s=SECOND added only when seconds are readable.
h=9 m=53
